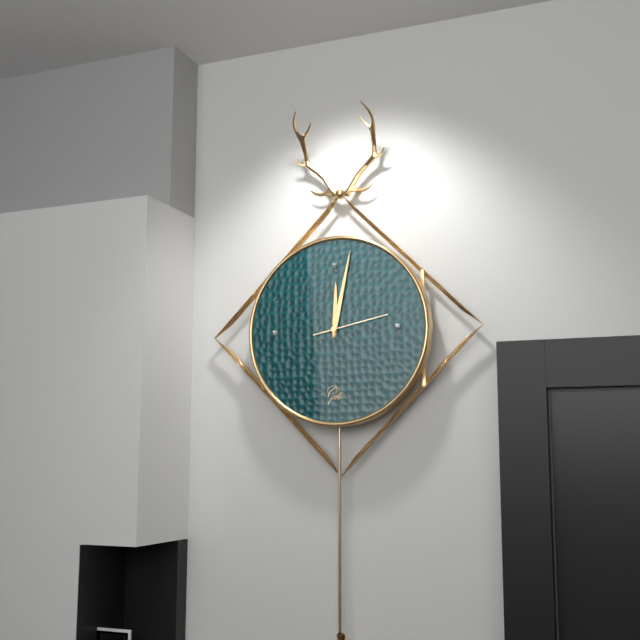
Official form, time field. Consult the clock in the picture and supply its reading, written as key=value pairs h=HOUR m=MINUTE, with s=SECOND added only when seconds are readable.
h=12 m=2 s=13
